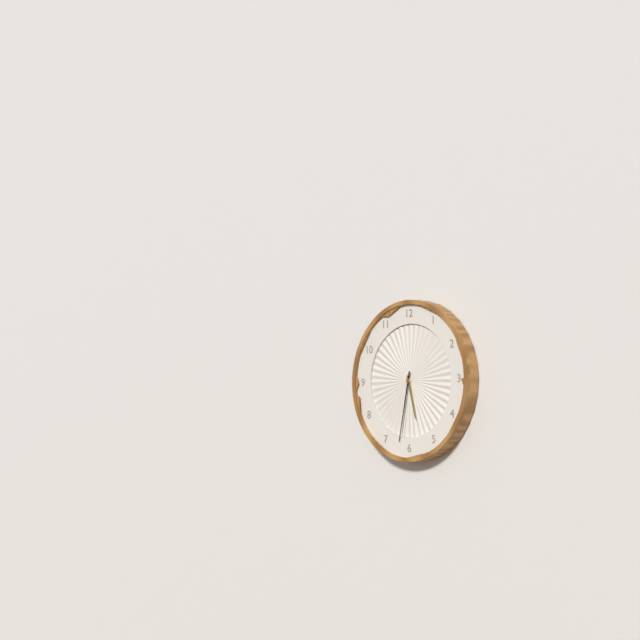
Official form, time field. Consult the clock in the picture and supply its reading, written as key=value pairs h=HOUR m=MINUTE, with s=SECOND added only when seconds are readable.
h=5 m=32
